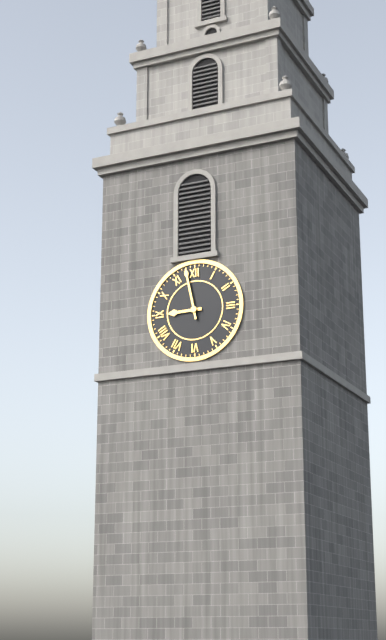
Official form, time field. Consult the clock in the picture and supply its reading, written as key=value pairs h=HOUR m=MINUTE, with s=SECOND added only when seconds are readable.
h=8 m=58
